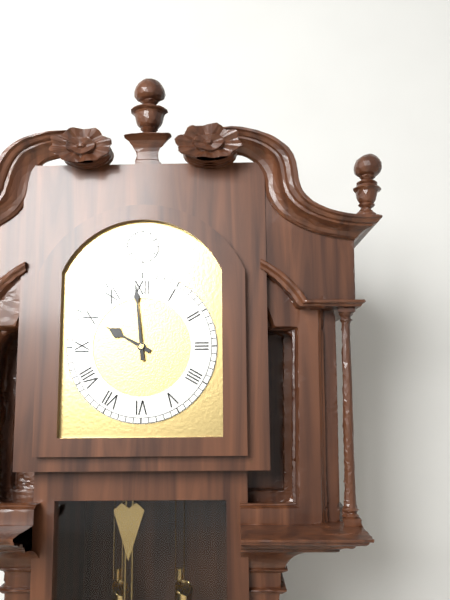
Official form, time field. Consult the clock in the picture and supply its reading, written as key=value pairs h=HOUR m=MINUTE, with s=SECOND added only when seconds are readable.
h=9 m=59
